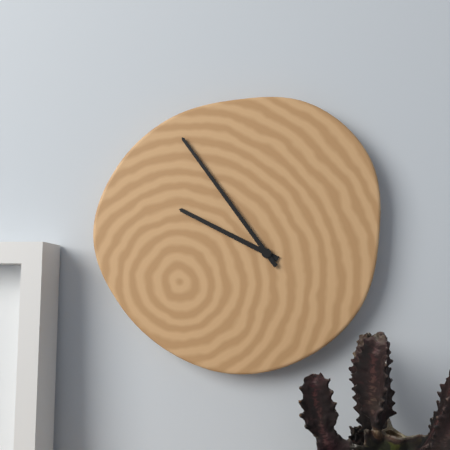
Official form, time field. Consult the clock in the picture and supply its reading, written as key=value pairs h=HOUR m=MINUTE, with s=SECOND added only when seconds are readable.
h=9 m=54
